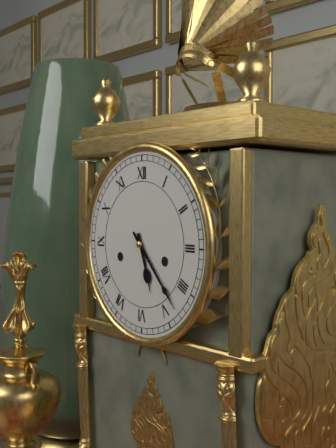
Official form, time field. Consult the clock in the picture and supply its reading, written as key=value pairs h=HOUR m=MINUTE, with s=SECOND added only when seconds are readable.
h=5 m=23
